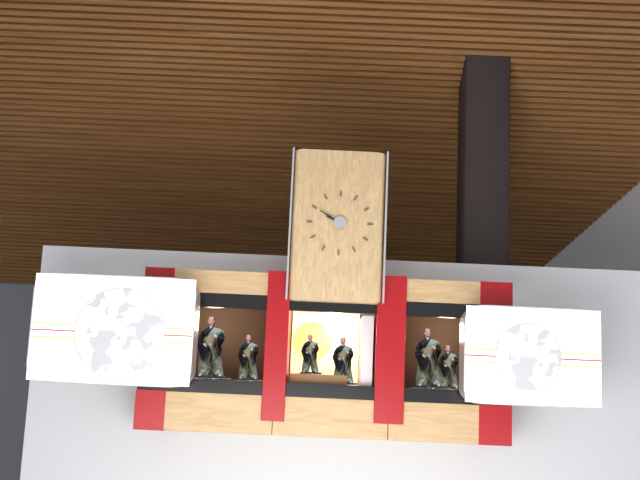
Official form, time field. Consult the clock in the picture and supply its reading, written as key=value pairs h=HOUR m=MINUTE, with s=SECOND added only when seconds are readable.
h=9 m=50
